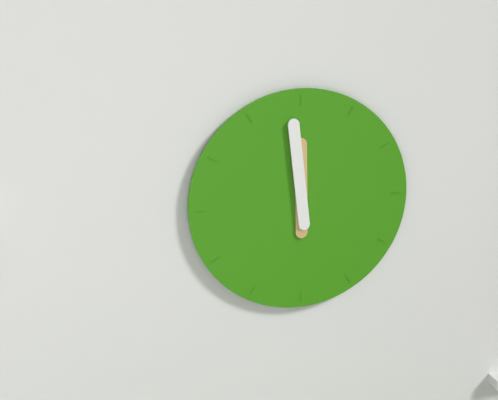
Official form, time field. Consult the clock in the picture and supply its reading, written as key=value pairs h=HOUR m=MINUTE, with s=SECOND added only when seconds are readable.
h=11 m=59
